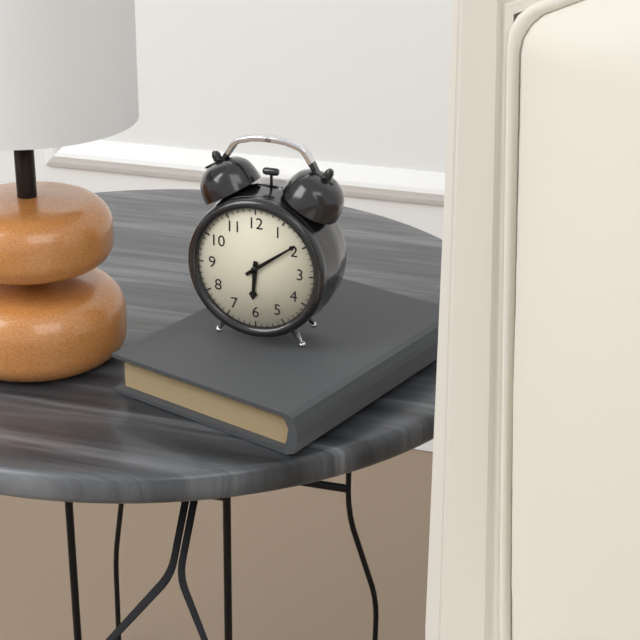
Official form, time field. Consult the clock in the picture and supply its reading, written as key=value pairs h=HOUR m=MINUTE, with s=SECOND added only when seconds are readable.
h=6 m=9
